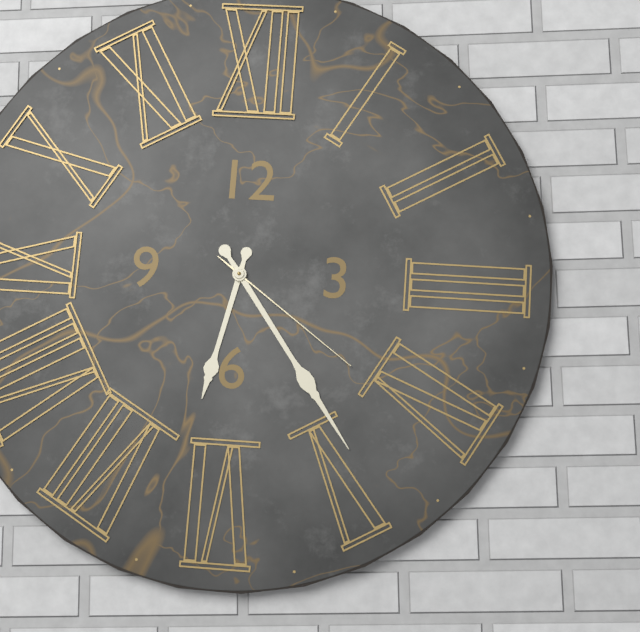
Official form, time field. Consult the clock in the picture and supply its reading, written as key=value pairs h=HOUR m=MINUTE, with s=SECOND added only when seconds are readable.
h=6 m=24 s=21
